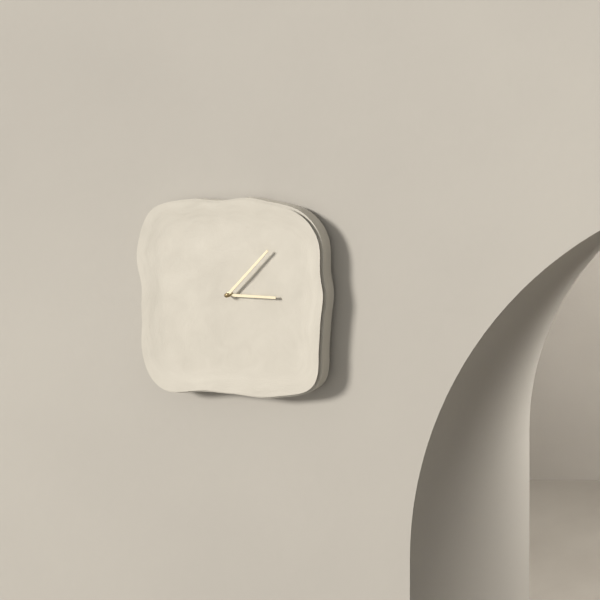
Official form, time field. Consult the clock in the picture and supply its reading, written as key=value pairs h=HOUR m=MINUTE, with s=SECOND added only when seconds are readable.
h=3 m=7
